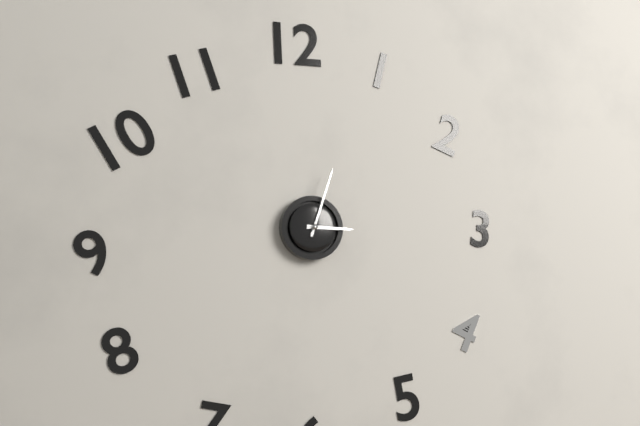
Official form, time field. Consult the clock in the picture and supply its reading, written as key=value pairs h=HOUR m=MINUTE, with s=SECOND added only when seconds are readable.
h=3 m=3
